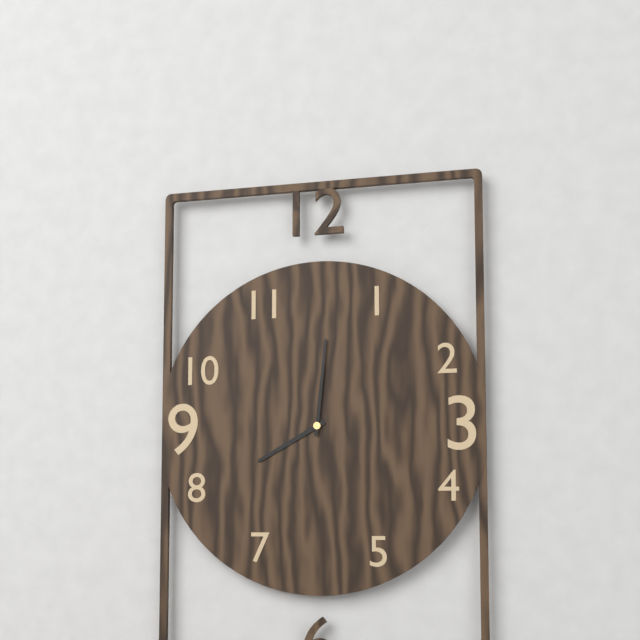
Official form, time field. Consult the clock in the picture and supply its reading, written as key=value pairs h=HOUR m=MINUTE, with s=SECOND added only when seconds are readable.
h=8 m=1
